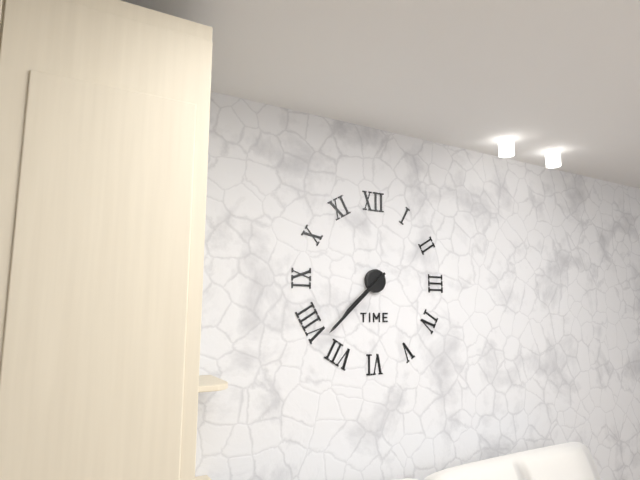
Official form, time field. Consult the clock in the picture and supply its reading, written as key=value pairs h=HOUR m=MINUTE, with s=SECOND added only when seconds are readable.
h=7 m=38
